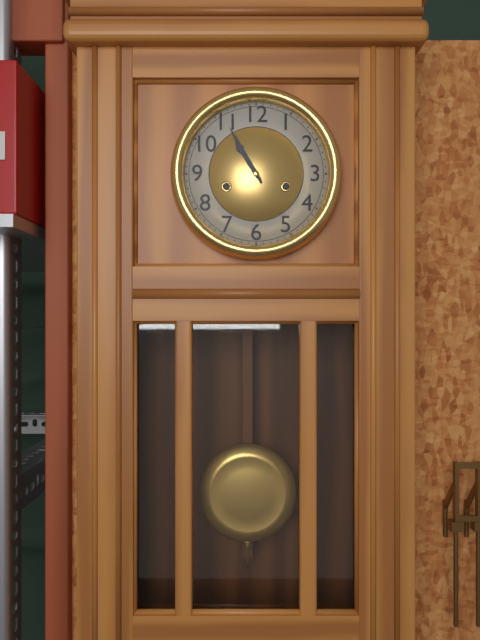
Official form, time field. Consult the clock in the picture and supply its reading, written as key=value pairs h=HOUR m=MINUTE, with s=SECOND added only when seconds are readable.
h=10 m=55
